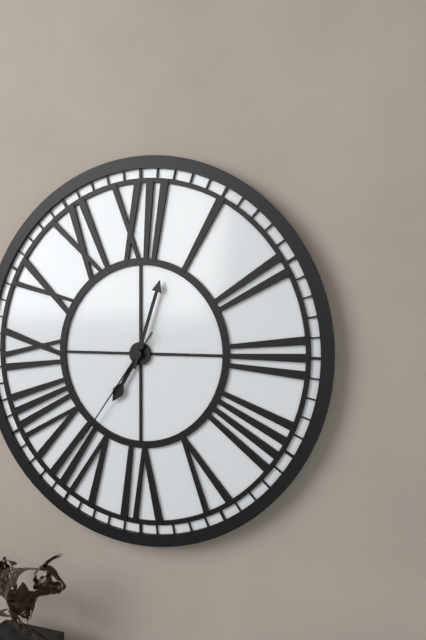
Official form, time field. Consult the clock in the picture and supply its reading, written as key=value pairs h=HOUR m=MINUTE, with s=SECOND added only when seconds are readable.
h=7 m=3 s=36
